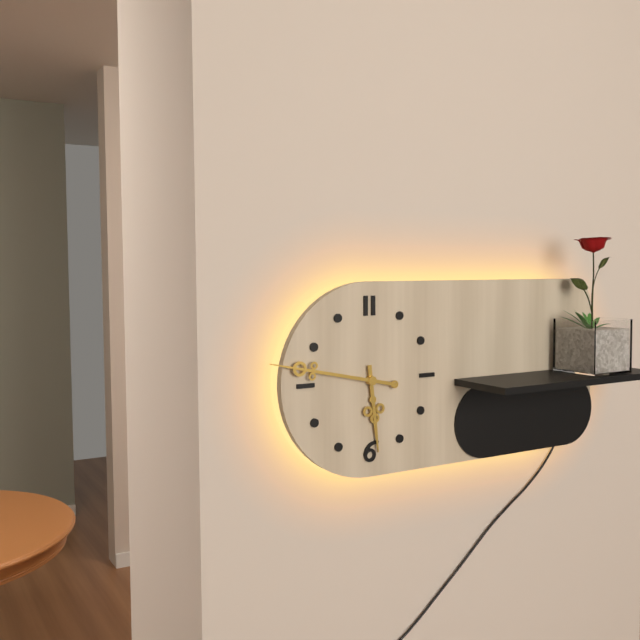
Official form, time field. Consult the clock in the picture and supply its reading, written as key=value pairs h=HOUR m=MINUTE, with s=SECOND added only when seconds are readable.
h=5 m=47
